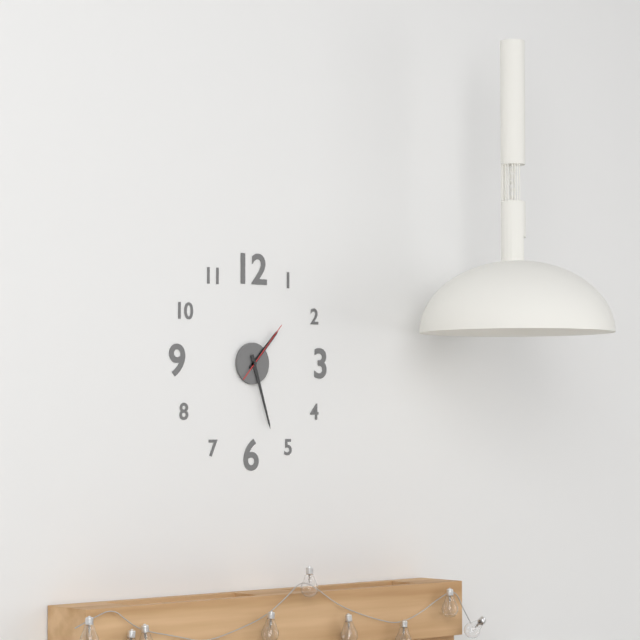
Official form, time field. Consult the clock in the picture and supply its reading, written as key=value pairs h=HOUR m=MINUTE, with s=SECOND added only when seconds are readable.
h=1 m=27 s=7
